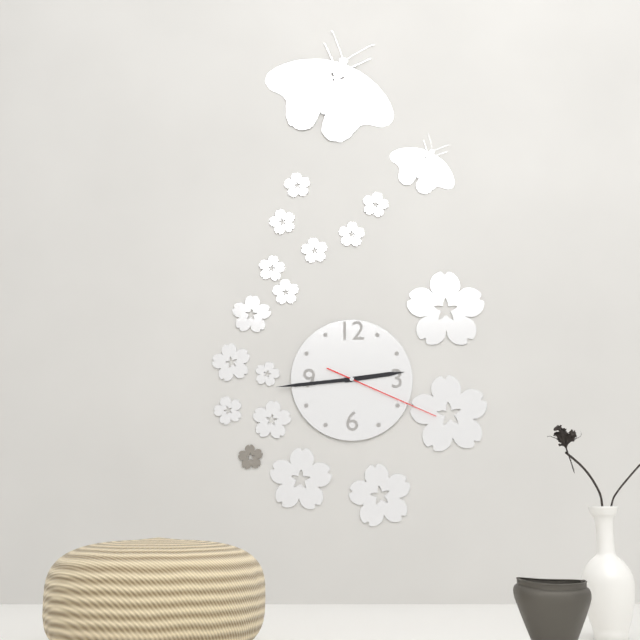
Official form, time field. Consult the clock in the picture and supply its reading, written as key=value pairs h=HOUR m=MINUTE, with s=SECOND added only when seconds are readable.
h=2 m=44 s=19
